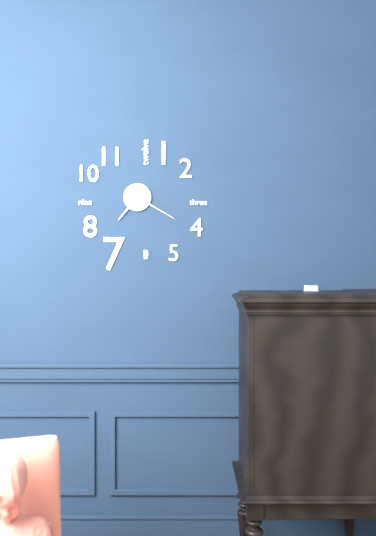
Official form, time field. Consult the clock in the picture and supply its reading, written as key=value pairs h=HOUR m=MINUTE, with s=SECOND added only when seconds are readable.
h=7 m=20
